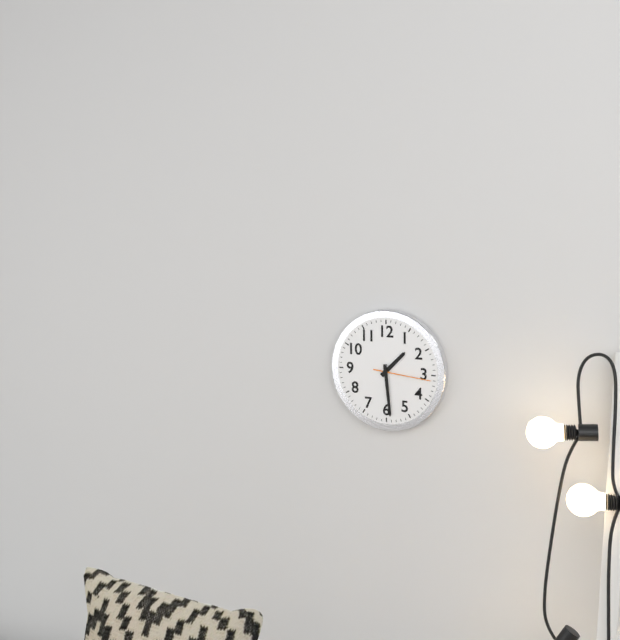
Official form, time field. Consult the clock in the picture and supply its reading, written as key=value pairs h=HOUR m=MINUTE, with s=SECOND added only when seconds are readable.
h=1 m=29 s=16
